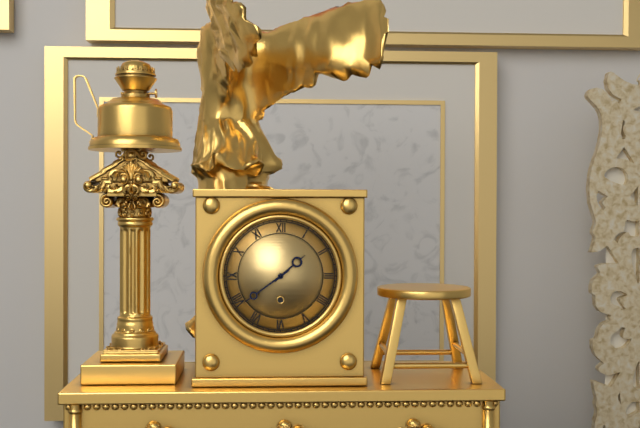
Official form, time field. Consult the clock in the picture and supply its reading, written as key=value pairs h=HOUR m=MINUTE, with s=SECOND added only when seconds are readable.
h=1 m=39
